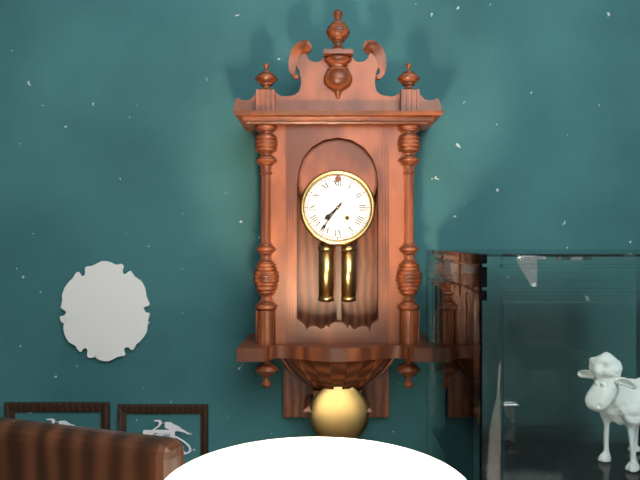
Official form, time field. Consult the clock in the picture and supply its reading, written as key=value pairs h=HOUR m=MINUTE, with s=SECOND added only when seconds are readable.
h=7 m=36
